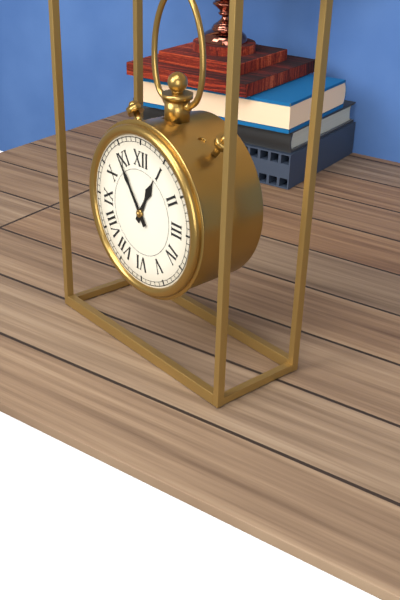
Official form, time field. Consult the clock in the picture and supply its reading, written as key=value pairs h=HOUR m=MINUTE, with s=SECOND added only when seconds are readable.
h=12 m=54
